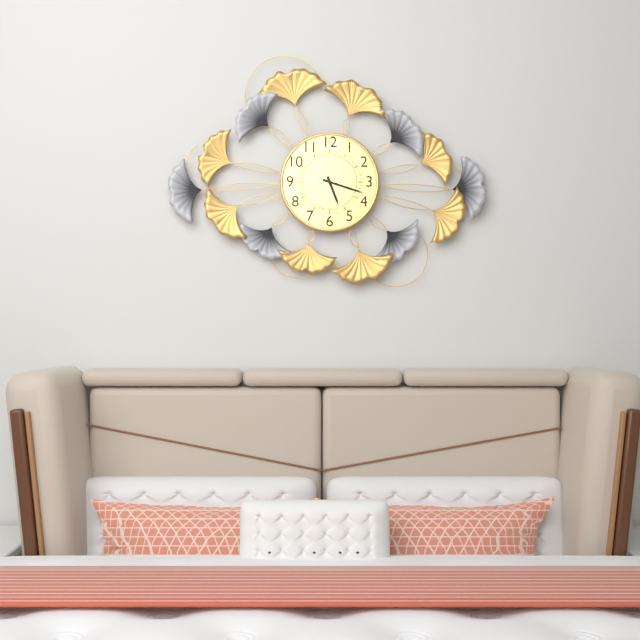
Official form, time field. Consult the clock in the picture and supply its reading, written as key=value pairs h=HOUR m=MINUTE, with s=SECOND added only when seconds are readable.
h=5 m=18
